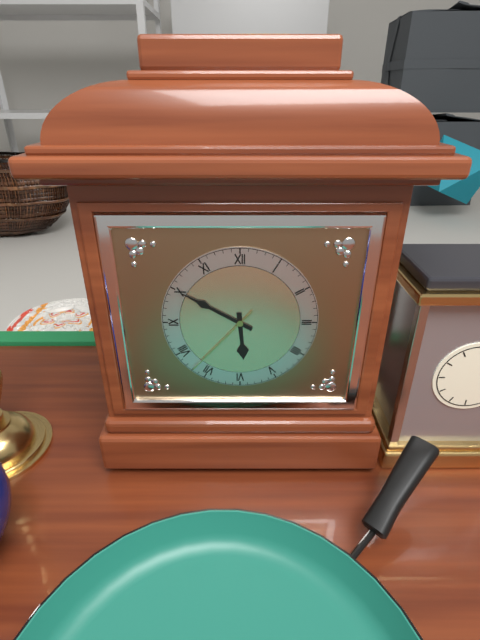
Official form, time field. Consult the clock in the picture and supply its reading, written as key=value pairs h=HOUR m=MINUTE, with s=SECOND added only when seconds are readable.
h=5 m=50 s=37
